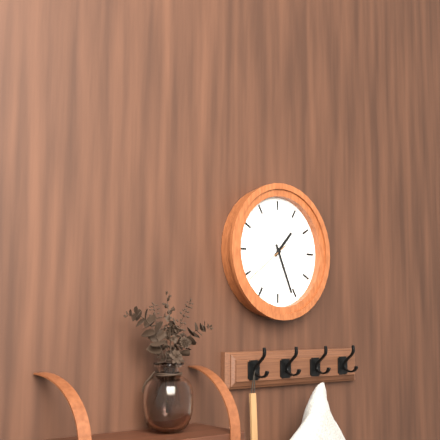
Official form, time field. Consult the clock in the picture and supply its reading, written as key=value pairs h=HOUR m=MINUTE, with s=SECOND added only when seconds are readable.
h=1 m=26
